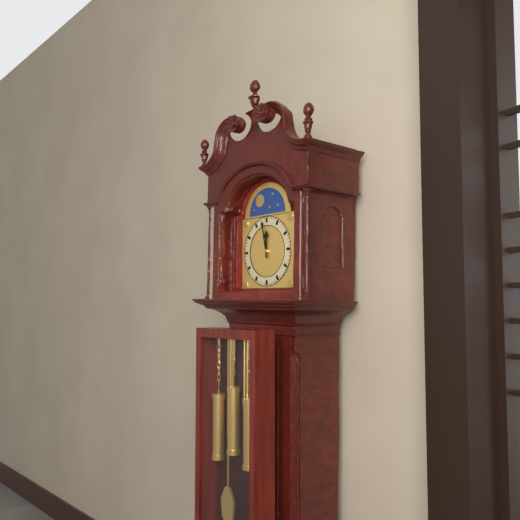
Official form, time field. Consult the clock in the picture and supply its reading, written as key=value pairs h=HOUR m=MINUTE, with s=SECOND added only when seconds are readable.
h=11 m=58
